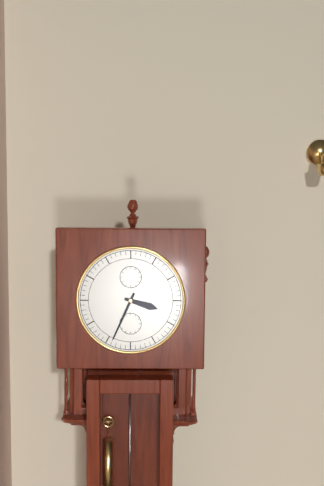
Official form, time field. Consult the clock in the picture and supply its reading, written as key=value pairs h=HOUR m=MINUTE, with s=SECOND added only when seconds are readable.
h=3 m=34
